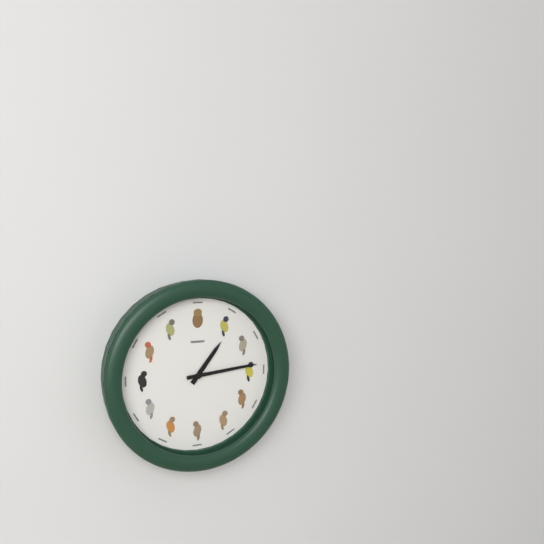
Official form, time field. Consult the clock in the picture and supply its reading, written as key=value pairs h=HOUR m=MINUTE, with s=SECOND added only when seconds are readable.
h=1 m=14
